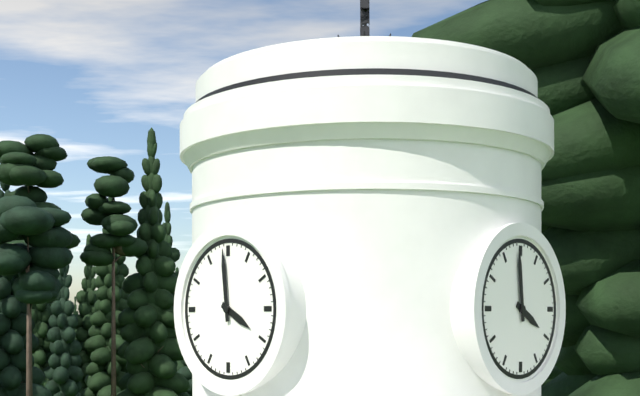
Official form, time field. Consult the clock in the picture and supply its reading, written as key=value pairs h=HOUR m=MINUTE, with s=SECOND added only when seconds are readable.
h=3 m=59
